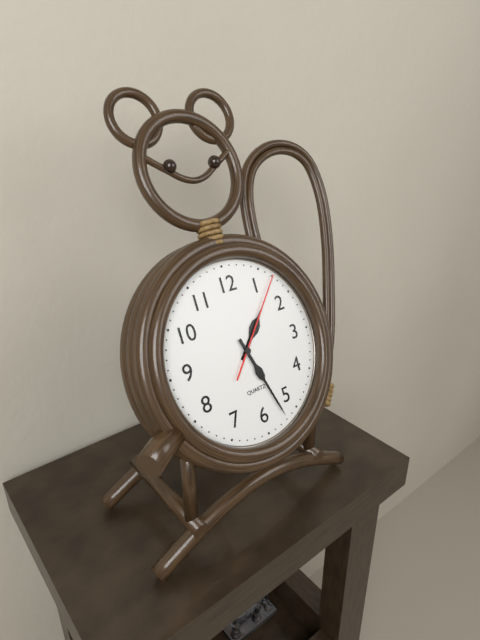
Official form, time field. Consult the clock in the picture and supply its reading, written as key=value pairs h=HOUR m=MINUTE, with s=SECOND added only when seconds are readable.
h=1 m=27 s=7
